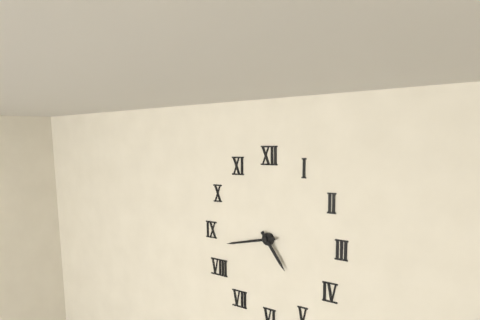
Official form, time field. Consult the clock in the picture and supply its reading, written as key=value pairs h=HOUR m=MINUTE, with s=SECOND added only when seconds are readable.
h=4 m=43
